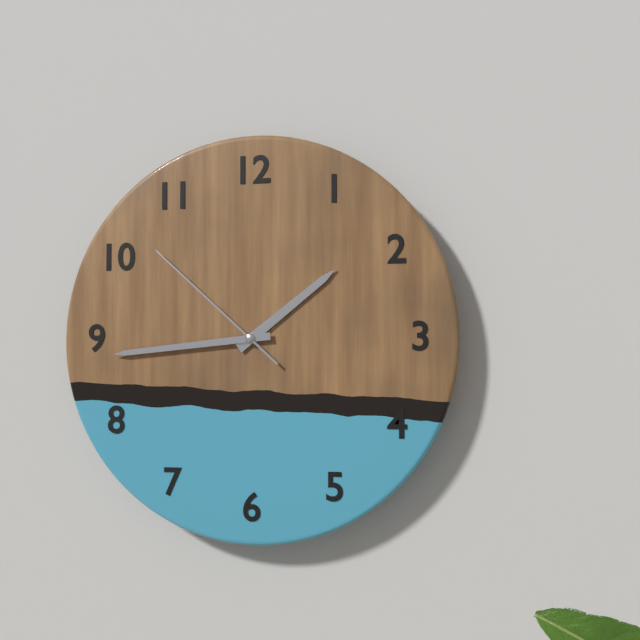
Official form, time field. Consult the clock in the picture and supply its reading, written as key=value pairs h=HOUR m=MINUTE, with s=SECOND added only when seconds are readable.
h=1 m=44 s=52
